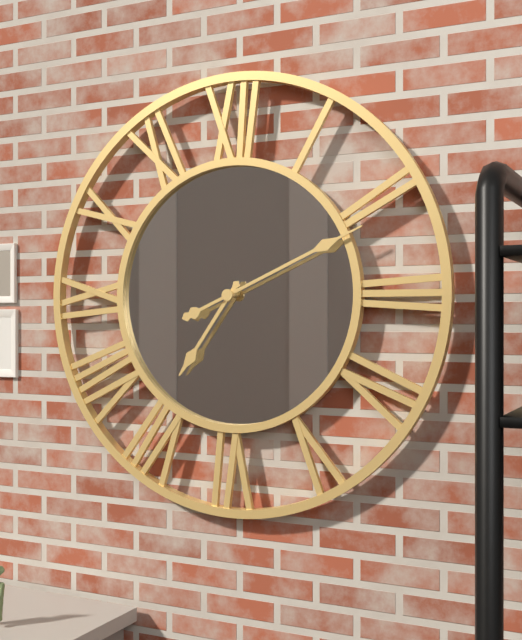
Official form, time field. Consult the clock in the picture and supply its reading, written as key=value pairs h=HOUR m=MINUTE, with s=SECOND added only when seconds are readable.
h=7 m=11
